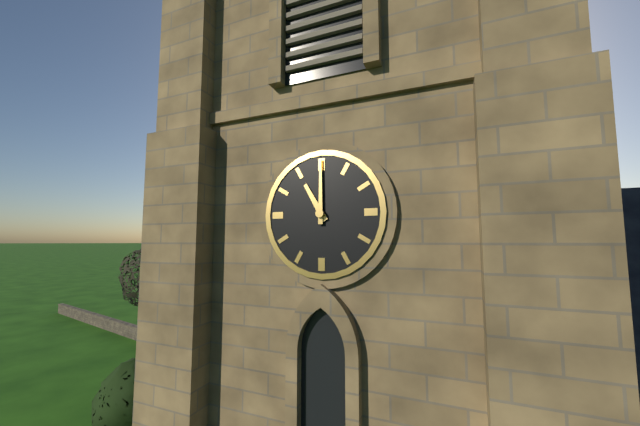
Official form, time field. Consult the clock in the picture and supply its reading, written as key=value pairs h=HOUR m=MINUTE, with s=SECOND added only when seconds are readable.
h=11 m=0
